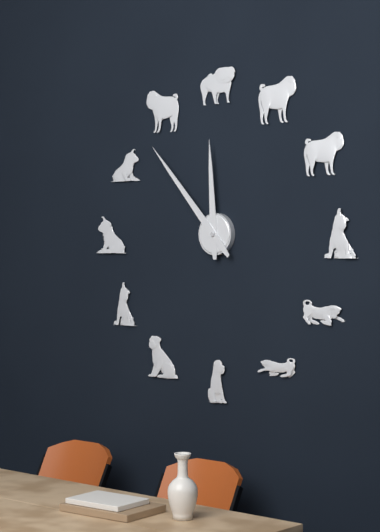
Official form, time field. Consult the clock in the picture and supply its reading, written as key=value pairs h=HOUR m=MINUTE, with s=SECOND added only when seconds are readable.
h=11 m=53
